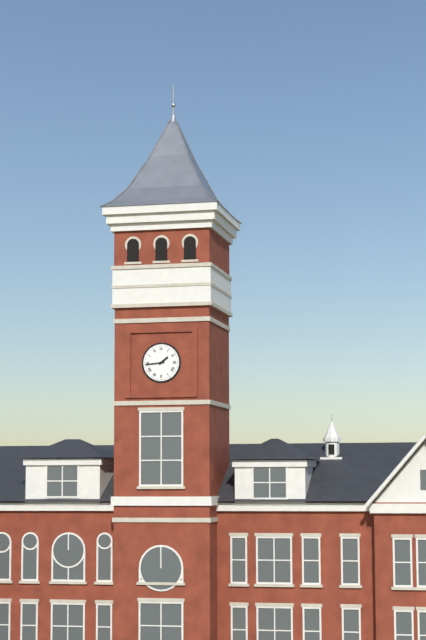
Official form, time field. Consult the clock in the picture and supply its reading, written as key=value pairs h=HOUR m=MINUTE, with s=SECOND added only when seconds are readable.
h=1 m=44
